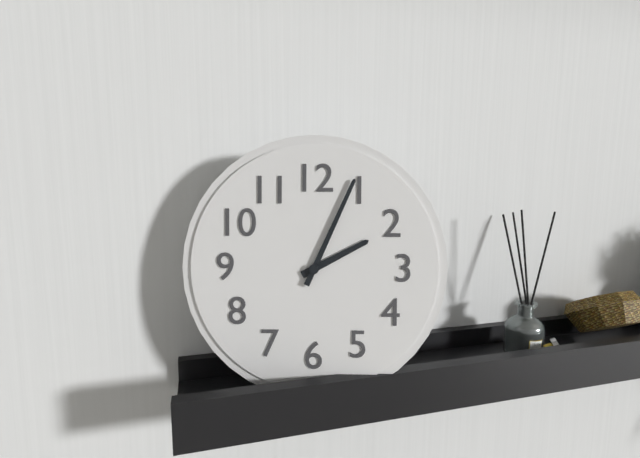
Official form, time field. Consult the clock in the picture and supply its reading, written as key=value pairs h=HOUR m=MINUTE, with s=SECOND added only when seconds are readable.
h=2 m=4
